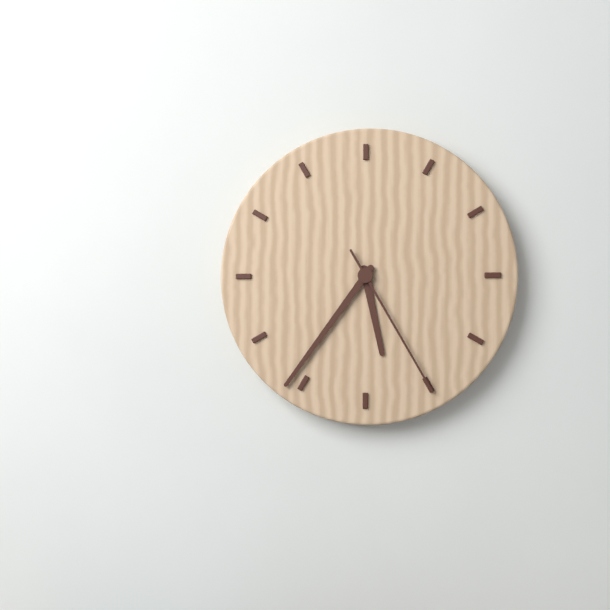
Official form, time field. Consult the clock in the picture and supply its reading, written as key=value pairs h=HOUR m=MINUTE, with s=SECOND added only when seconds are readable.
h=5 m=36 s=25
